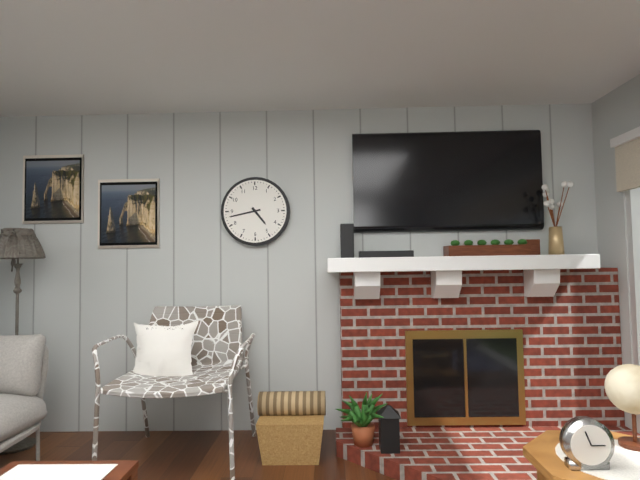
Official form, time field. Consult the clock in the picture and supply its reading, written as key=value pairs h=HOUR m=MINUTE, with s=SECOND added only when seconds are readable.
h=4 m=43
